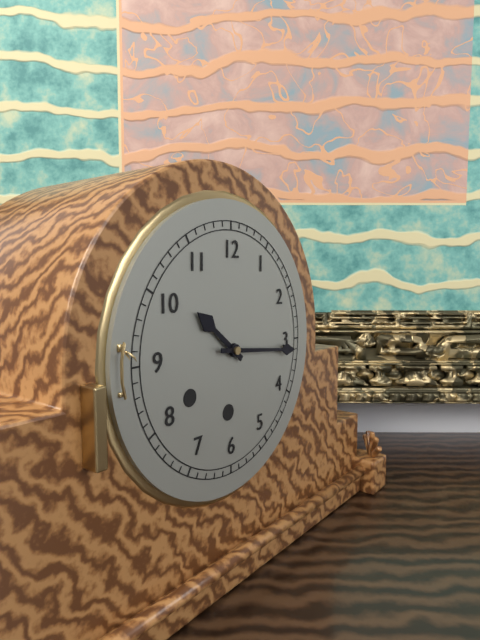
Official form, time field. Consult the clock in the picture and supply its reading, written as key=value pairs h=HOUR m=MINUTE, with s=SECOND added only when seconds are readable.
h=10 m=16
